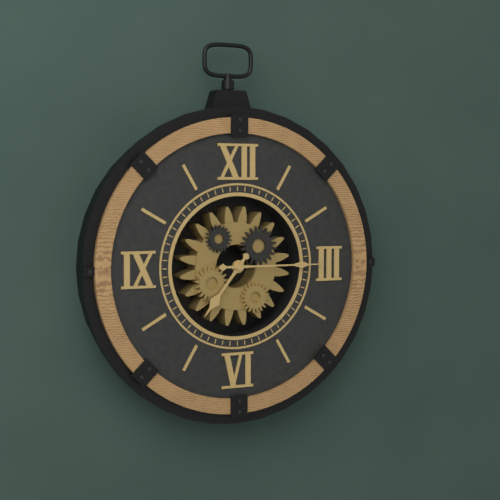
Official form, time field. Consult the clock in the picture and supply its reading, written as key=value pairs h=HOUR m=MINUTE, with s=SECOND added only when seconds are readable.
h=7 m=15
